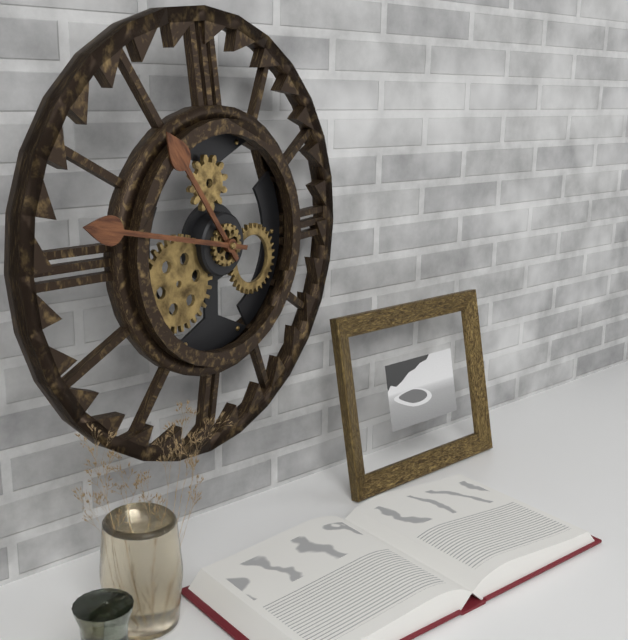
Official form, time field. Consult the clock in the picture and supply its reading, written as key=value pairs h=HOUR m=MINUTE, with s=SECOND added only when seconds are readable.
h=10 m=47
